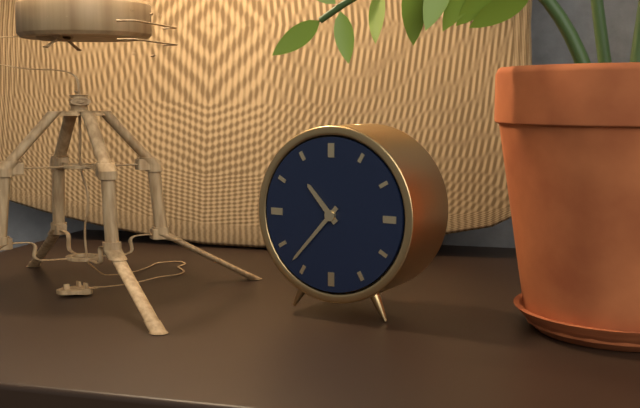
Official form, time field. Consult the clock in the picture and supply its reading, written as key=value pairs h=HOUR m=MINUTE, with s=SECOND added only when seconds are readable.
h=10 m=37
